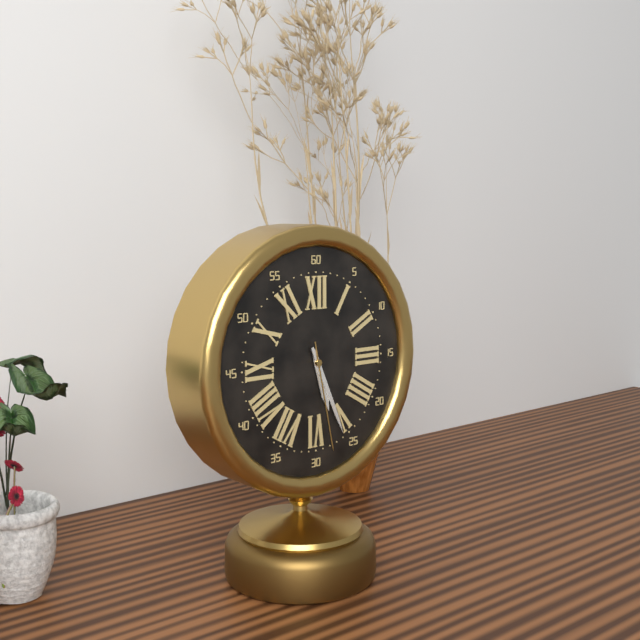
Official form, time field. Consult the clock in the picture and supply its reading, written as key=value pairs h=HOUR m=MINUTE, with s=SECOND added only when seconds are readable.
h=5 m=26 s=28
